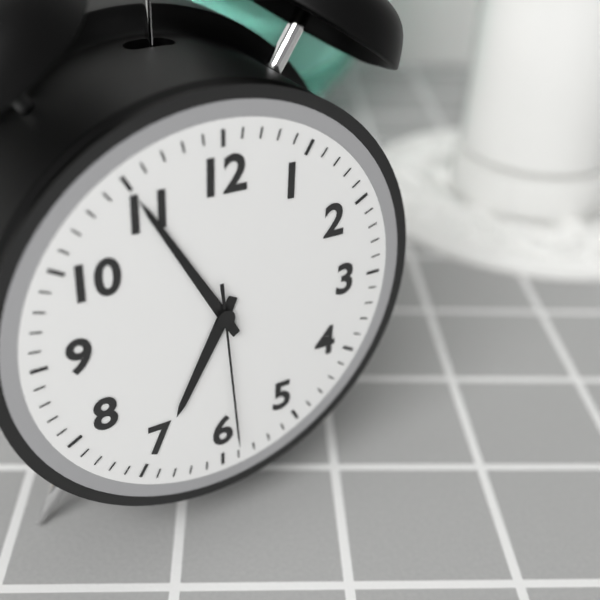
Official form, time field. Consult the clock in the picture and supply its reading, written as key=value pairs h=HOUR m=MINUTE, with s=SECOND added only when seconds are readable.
h=6 m=55 s=29
